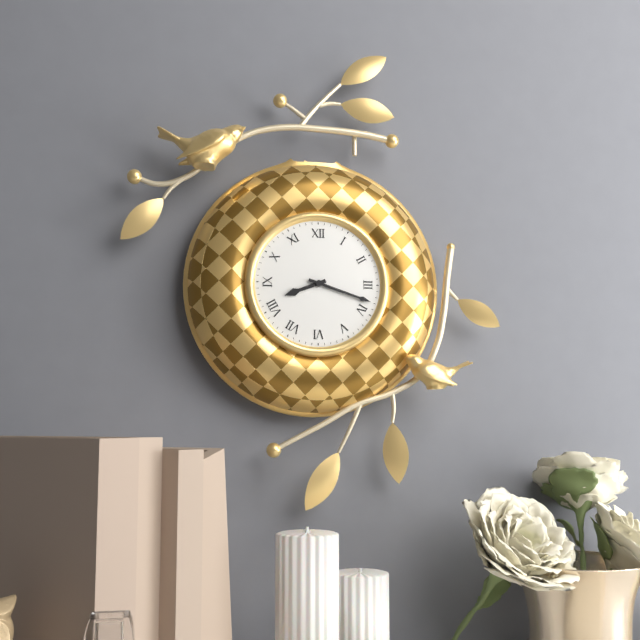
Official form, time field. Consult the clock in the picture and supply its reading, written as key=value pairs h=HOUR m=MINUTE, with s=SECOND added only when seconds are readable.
h=8 m=18
